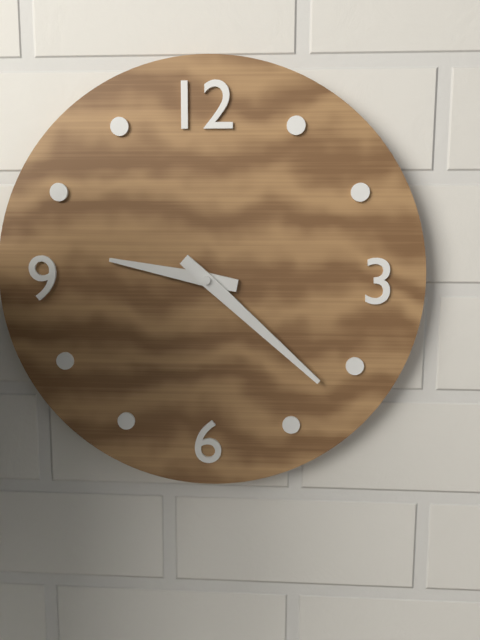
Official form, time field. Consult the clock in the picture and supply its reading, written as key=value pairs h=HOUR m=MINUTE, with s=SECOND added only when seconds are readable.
h=9 m=22
